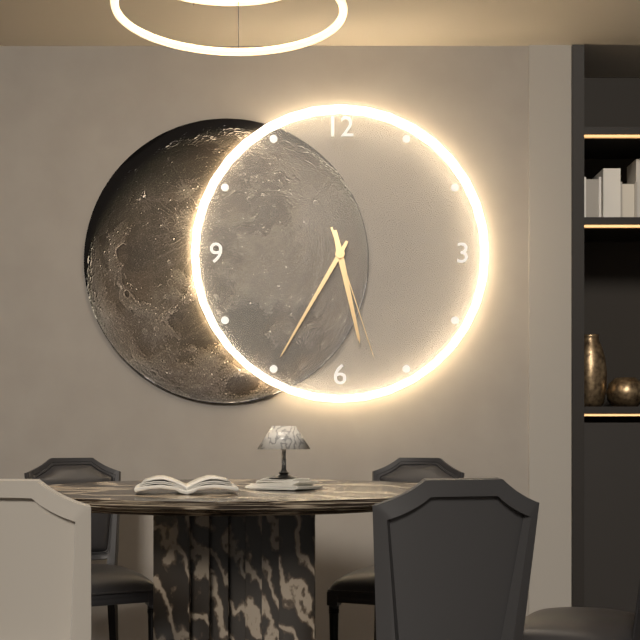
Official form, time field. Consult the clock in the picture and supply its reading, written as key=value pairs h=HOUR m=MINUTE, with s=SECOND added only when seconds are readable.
h=5 m=35 s=27
